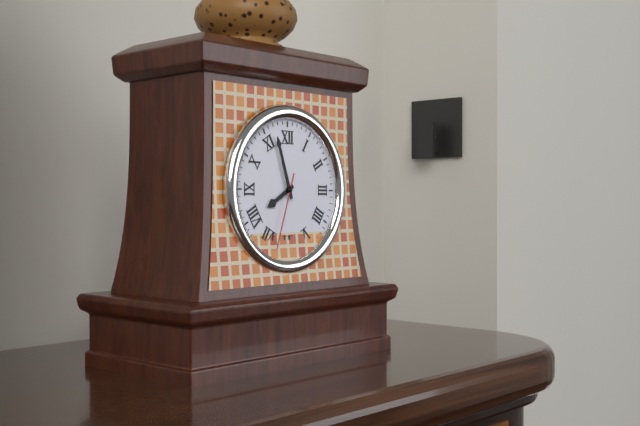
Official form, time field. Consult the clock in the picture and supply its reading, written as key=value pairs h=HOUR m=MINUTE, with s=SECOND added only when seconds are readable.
h=7 m=57 s=33
